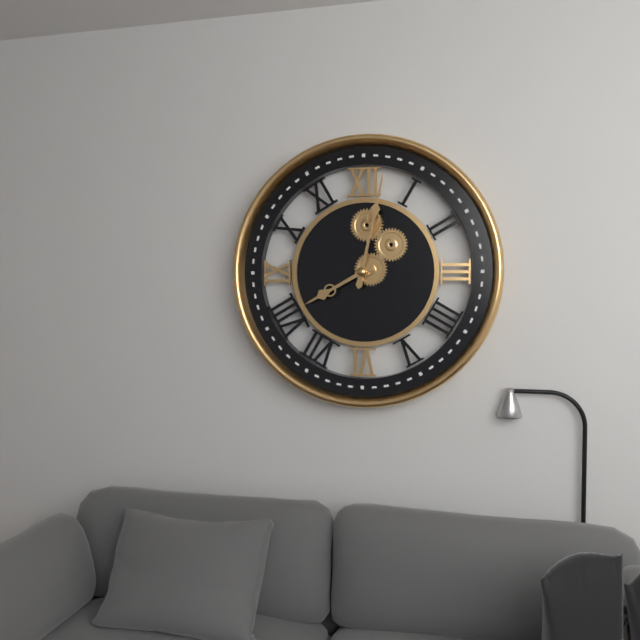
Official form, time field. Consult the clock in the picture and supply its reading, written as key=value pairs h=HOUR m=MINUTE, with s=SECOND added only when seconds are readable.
h=8 m=2
